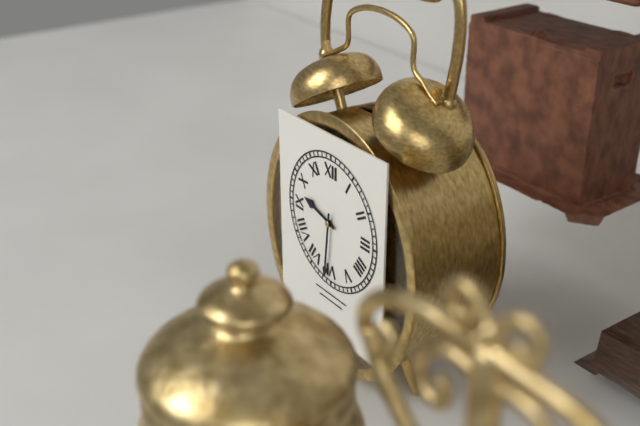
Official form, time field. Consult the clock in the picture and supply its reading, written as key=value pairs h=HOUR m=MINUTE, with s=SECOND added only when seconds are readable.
h=9 m=31
